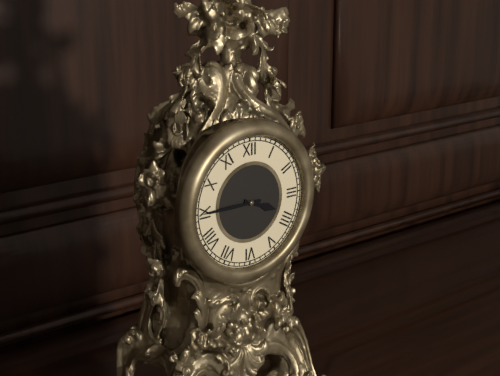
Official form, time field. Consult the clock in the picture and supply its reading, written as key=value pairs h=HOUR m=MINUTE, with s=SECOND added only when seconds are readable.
h=3 m=45
